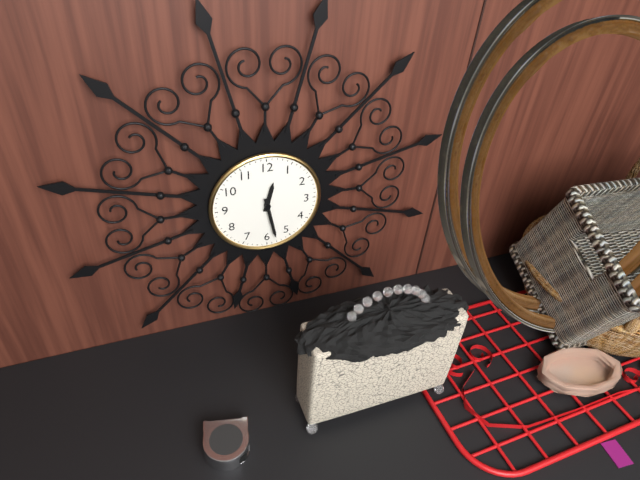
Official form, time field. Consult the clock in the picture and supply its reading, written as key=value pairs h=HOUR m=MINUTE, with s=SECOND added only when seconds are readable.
h=12 m=28
